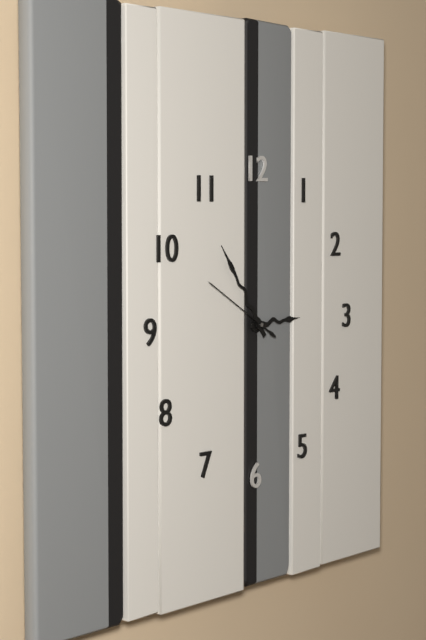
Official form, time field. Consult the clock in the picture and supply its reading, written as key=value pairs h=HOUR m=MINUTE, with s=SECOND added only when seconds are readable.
h=2 m=54 s=50
